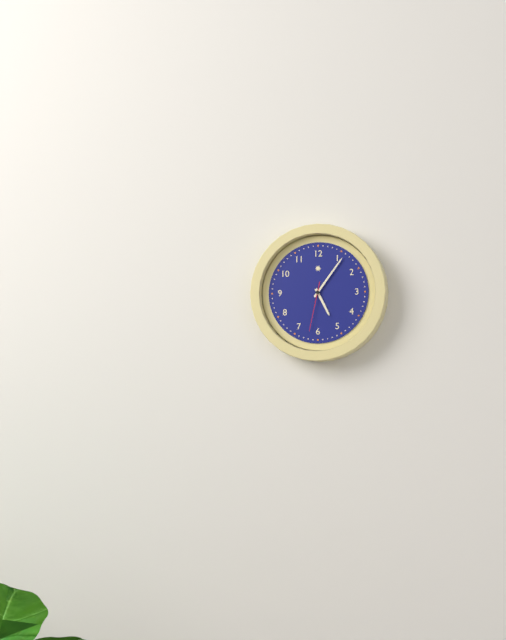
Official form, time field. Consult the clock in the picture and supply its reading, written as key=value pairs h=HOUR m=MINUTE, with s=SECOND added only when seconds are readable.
h=5 m=6
